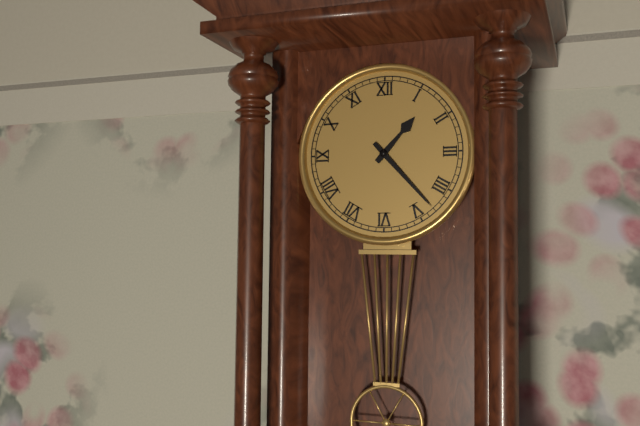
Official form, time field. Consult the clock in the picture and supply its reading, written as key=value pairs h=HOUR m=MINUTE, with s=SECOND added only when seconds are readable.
h=1 m=23
